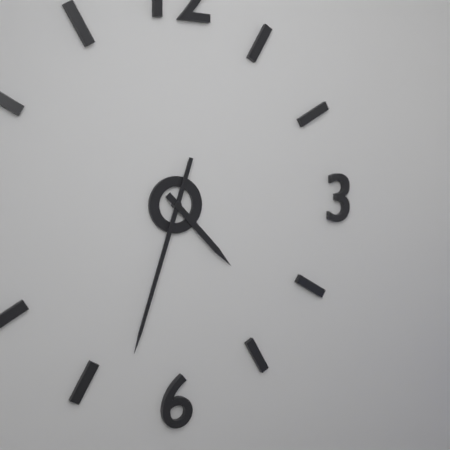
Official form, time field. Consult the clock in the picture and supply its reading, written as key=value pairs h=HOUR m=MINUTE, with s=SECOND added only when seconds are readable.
h=4 m=33
